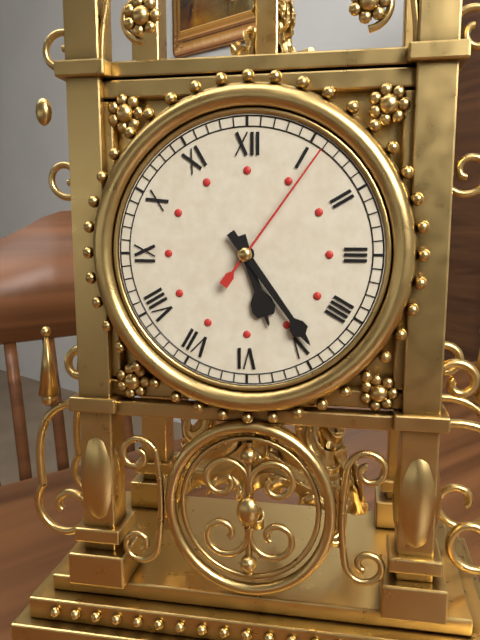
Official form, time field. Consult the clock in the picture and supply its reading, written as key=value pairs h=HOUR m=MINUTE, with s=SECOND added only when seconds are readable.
h=5 m=24 s=6
